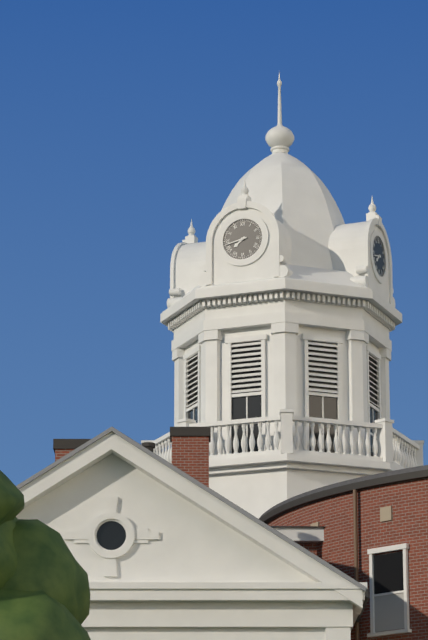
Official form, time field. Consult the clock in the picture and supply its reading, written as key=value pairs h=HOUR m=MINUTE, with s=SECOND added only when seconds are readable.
h=7 m=43
